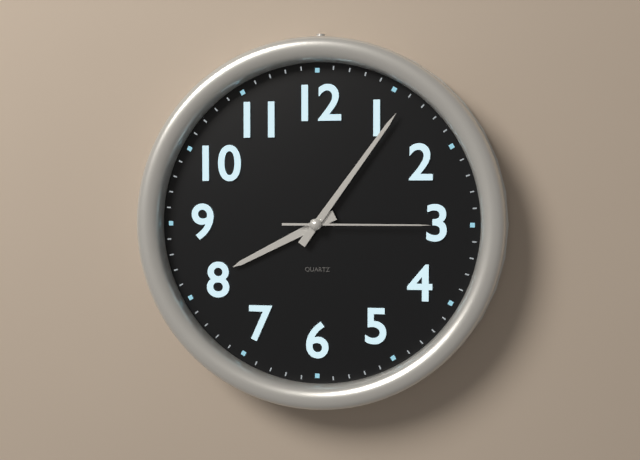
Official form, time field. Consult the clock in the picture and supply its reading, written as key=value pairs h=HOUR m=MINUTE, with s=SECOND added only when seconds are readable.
h=8 m=6 s=15
